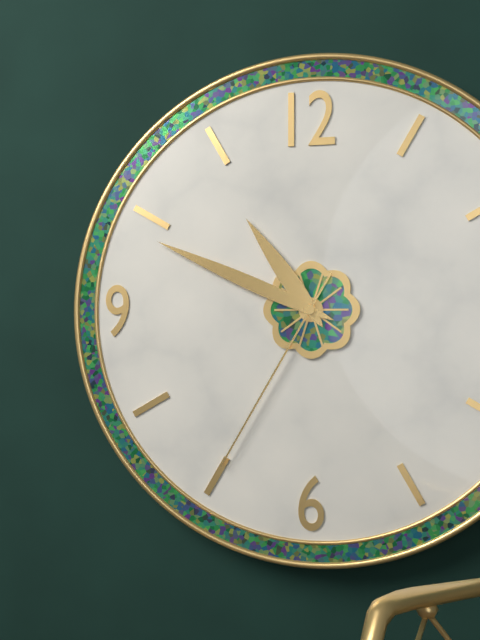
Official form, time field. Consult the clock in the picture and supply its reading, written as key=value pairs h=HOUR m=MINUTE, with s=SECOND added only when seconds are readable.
h=10 m=49 s=35
